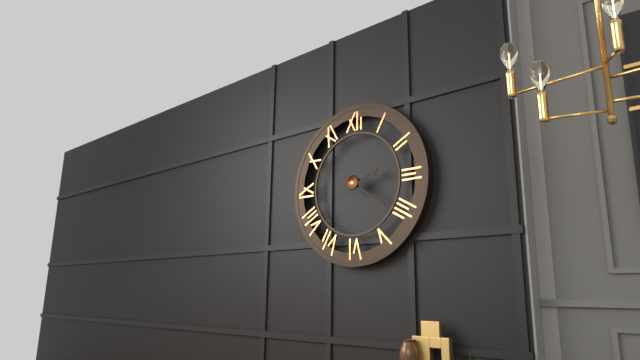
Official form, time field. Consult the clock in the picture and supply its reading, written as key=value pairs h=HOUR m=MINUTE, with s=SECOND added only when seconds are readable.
h=2 m=21
